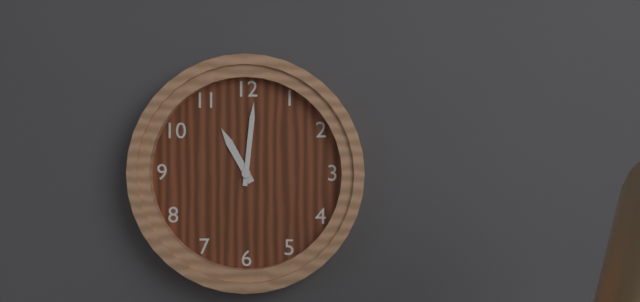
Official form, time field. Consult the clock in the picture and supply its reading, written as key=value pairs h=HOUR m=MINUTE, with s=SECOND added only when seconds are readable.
h=11 m=1
